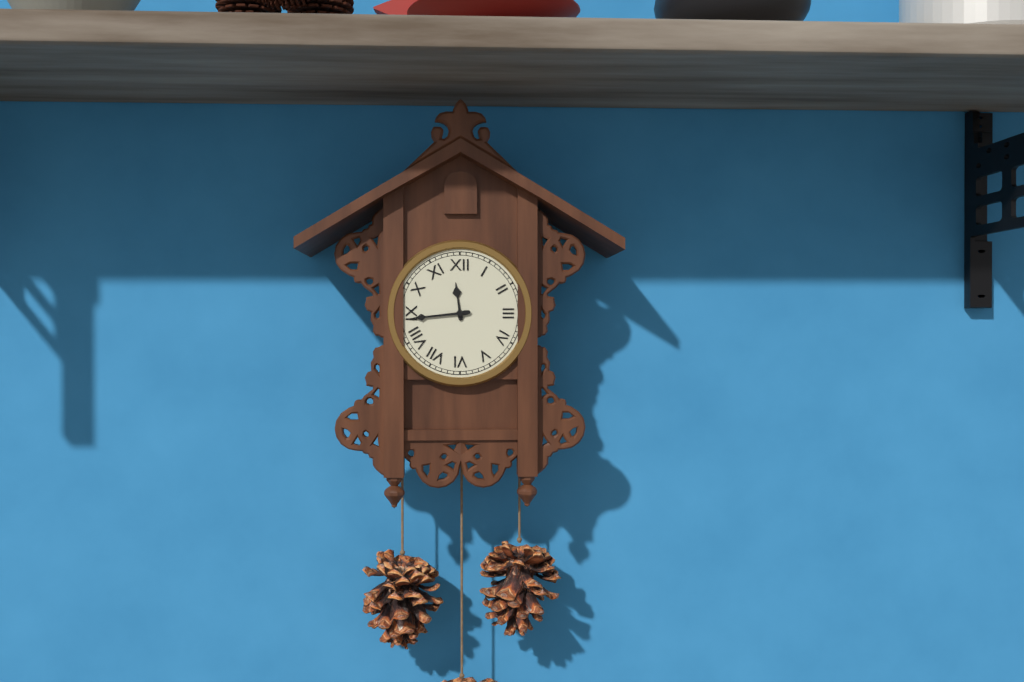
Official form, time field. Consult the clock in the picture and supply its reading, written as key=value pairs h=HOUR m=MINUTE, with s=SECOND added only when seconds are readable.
h=11 m=44
